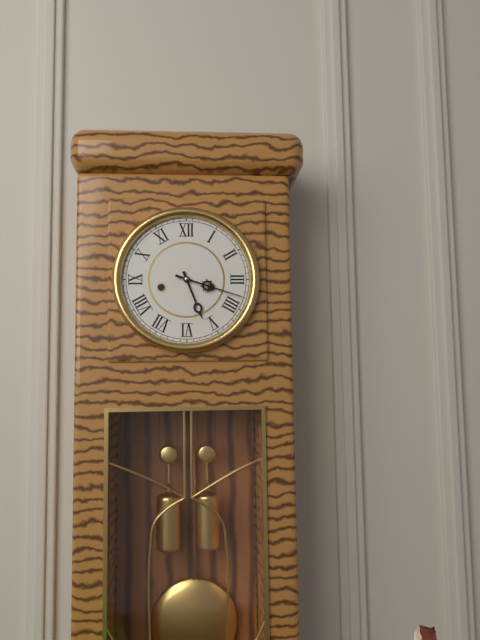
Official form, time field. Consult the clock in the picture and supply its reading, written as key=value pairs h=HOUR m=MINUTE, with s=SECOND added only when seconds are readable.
h=5 m=18
